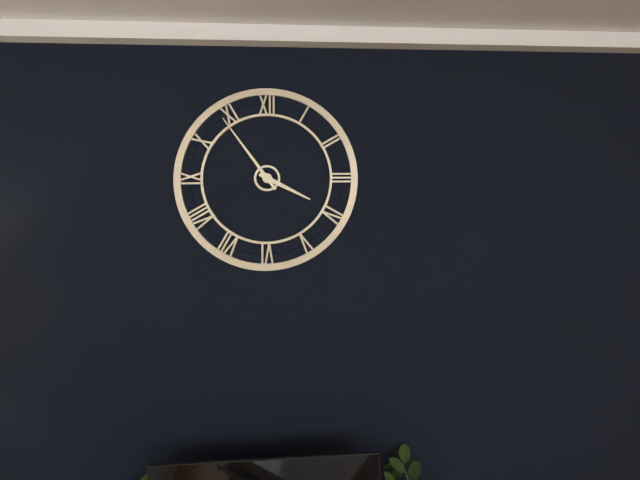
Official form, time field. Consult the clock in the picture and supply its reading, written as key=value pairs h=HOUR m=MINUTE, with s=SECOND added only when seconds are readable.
h=3 m=54
